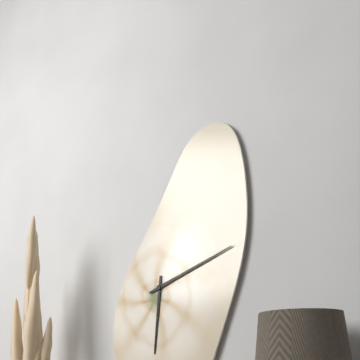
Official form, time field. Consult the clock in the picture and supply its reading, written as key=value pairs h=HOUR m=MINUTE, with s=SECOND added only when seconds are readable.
h=6 m=12
